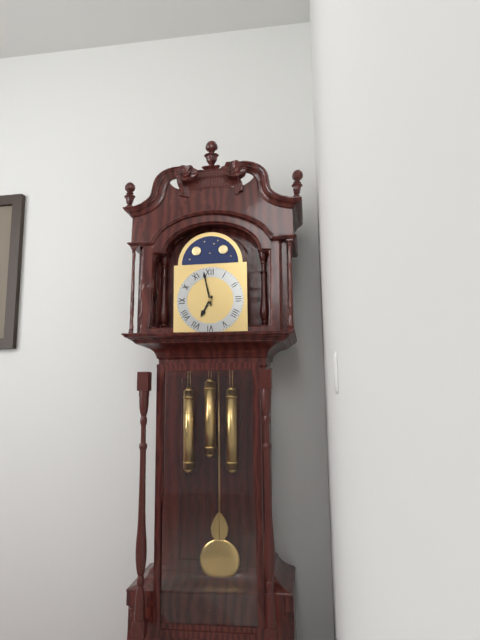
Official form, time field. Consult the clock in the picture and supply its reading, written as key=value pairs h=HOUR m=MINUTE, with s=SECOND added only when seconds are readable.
h=6 m=58
